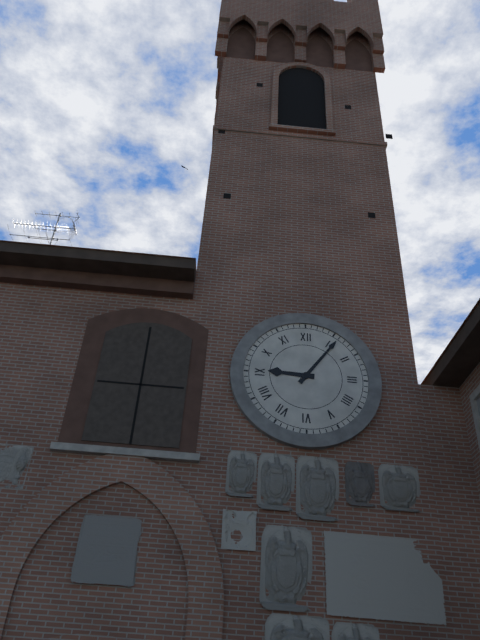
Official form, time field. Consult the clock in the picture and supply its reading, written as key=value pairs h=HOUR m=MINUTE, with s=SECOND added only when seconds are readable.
h=9 m=6
